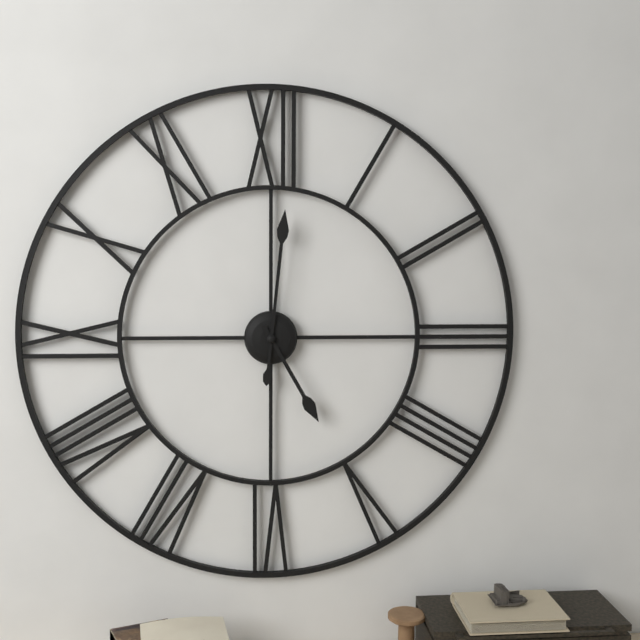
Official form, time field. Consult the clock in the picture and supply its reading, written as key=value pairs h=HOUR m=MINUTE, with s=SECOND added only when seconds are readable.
h=5 m=1
